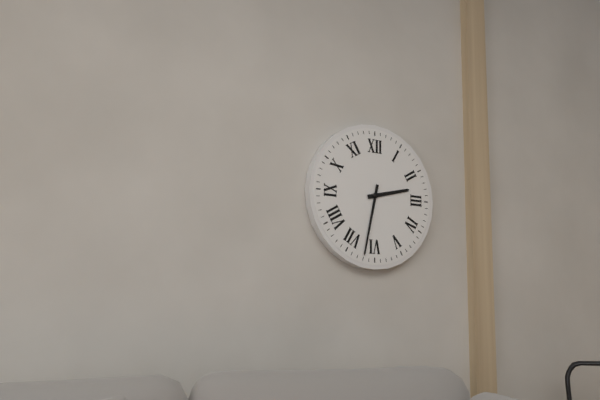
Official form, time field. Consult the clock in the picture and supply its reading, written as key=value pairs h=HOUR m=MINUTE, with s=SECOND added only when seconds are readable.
h=2 m=32
